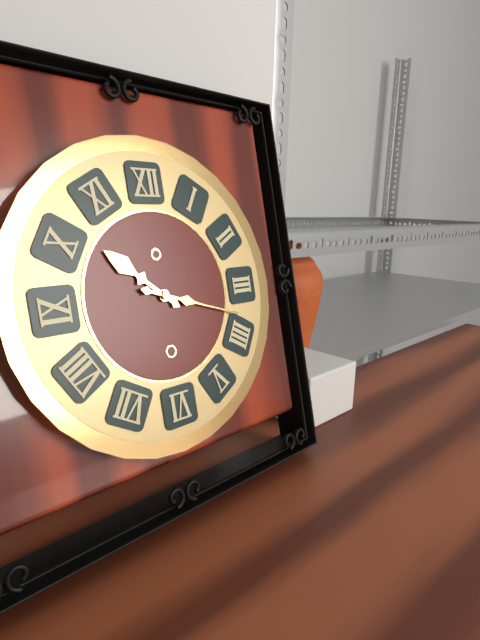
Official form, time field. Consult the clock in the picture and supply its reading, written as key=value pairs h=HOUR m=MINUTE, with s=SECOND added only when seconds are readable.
h=10 m=18
